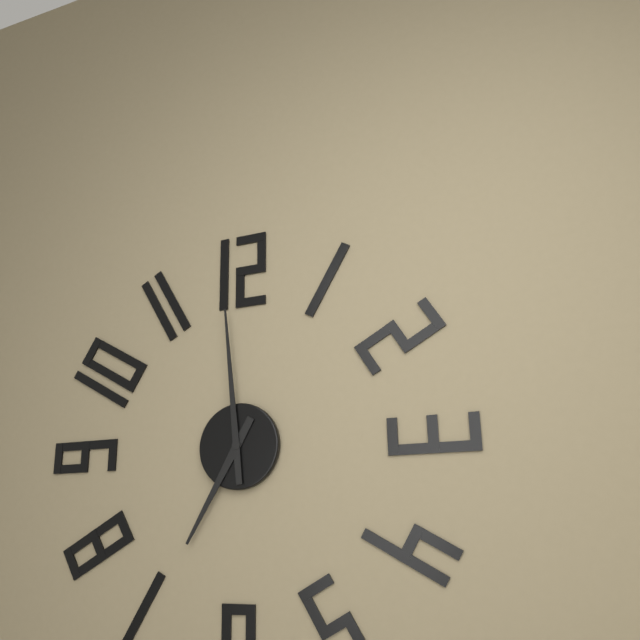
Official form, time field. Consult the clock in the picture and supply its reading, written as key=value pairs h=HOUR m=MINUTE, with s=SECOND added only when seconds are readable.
h=6 m=59
